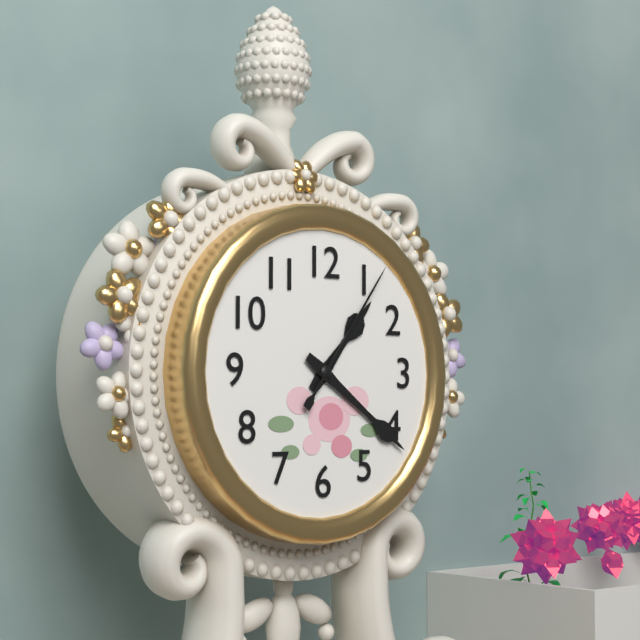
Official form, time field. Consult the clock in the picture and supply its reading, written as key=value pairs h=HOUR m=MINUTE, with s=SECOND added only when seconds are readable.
h=1 m=21 s=6
